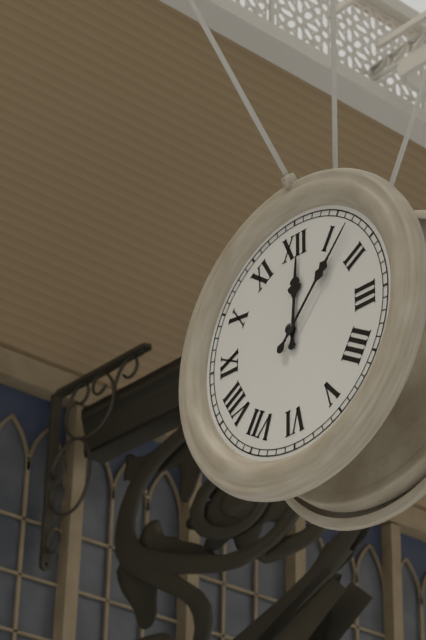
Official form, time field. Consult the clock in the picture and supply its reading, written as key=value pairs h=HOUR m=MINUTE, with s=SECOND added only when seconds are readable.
h=12 m=7
